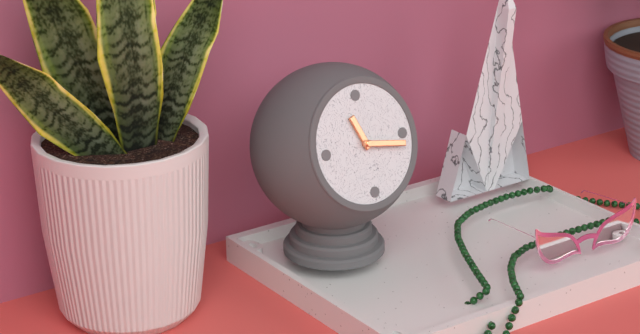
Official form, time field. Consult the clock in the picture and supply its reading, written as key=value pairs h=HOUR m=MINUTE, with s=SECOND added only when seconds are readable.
h=11 m=17
